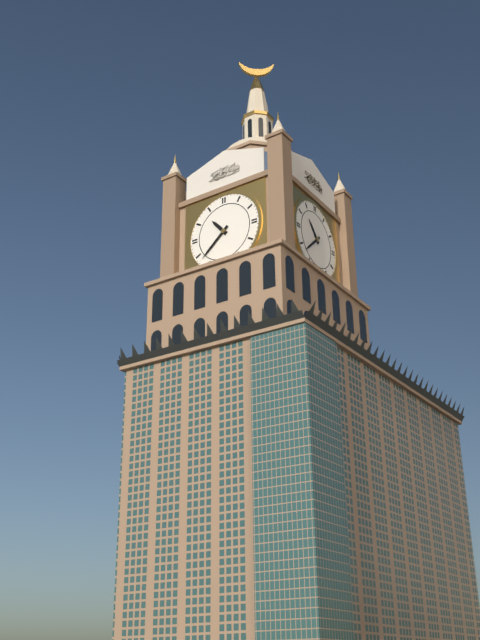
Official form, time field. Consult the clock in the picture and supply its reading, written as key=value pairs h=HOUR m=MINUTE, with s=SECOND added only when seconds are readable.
h=10 m=38
